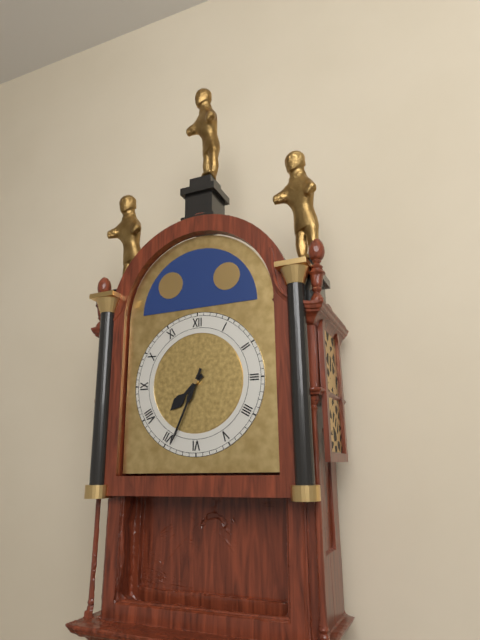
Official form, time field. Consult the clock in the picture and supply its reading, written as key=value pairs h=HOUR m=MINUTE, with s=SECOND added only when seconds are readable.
h=7 m=34
